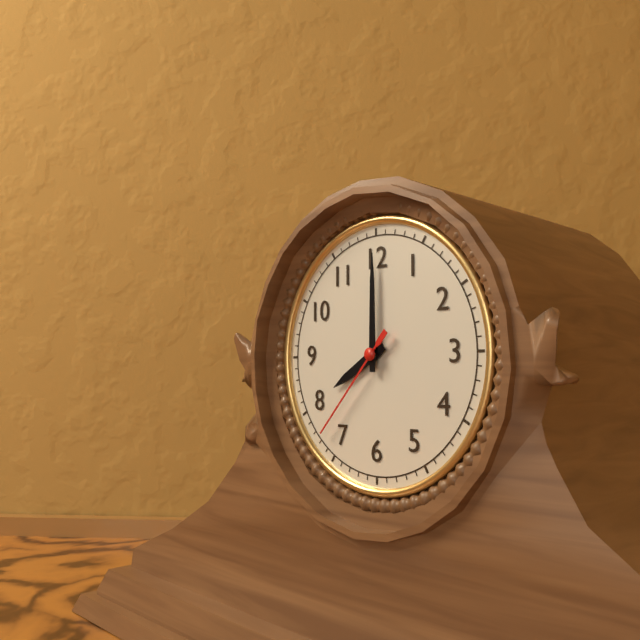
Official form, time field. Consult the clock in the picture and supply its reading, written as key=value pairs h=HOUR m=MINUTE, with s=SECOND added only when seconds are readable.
h=8 m=0 s=37
